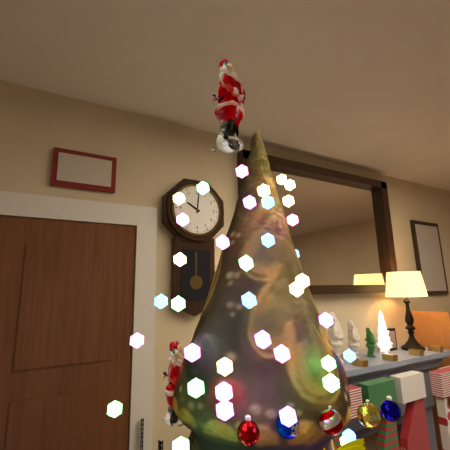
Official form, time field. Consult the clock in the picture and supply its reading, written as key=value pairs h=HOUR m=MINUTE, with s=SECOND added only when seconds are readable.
h=10 m=1
